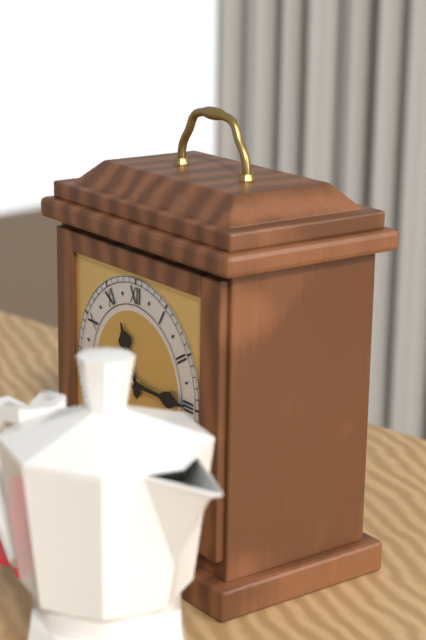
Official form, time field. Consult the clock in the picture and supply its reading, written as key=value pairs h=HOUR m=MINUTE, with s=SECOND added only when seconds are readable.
h=11 m=15
